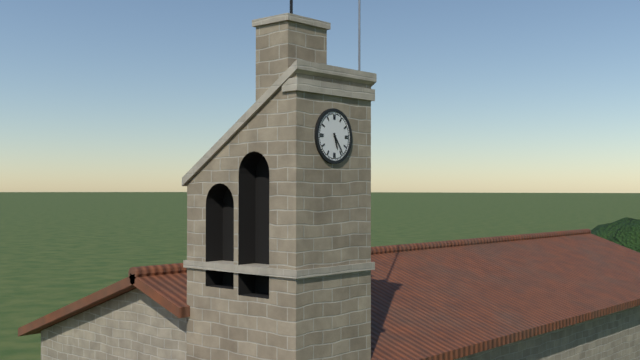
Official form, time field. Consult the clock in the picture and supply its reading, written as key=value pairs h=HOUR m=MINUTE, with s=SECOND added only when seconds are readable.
h=5 m=24
